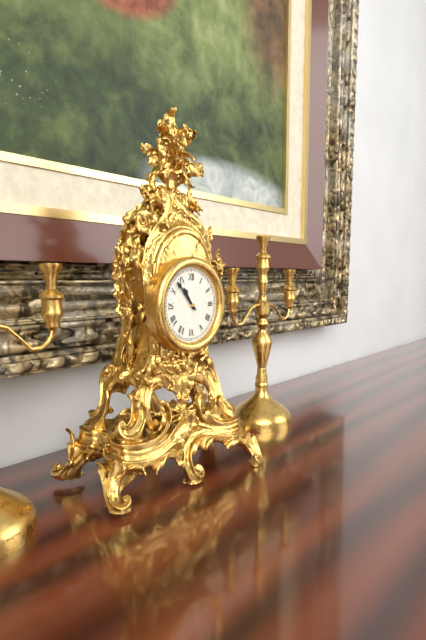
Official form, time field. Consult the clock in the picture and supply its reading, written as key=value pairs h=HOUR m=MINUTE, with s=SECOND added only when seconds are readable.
h=10 m=53
